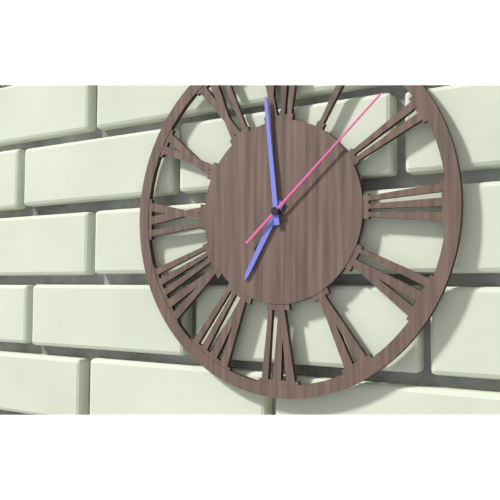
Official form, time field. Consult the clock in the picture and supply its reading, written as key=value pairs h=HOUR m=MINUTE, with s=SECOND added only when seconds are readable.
h=6 m=59 s=8
